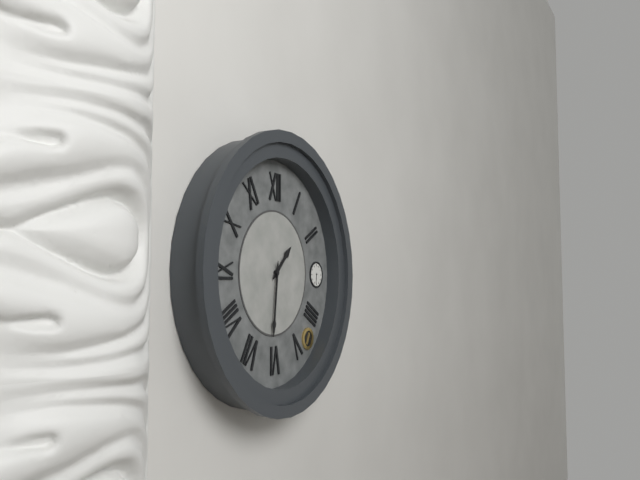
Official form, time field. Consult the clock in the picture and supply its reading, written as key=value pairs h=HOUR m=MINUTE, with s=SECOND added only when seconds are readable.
h=1 m=31
